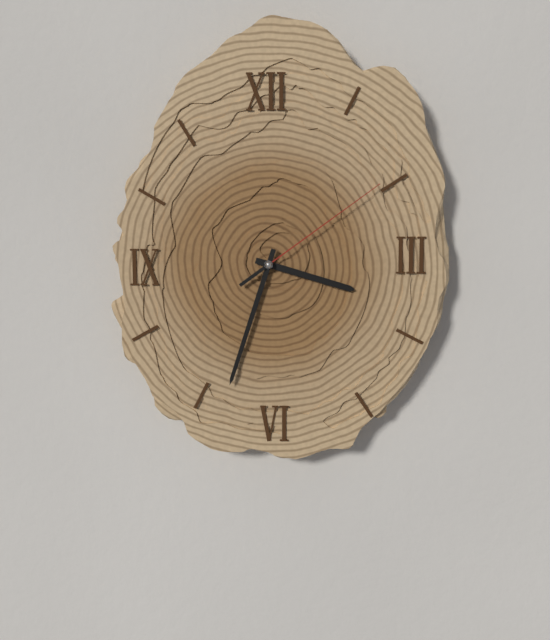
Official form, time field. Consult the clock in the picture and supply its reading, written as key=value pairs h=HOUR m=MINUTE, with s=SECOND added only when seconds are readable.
h=3 m=33 s=9
